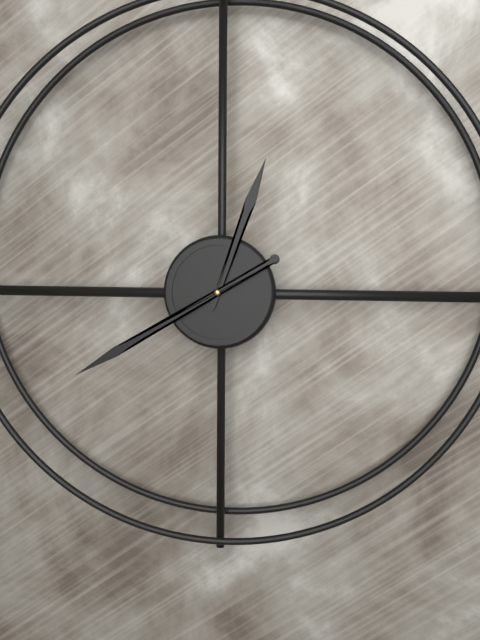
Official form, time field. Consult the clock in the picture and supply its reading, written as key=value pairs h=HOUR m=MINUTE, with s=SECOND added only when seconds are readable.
h=12 m=40
